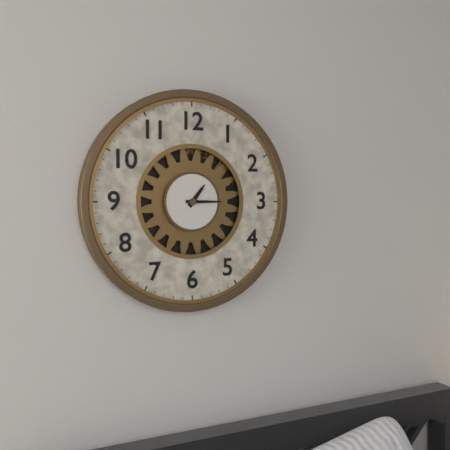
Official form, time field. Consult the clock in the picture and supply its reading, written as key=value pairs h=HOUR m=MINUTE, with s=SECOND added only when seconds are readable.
h=1 m=15
